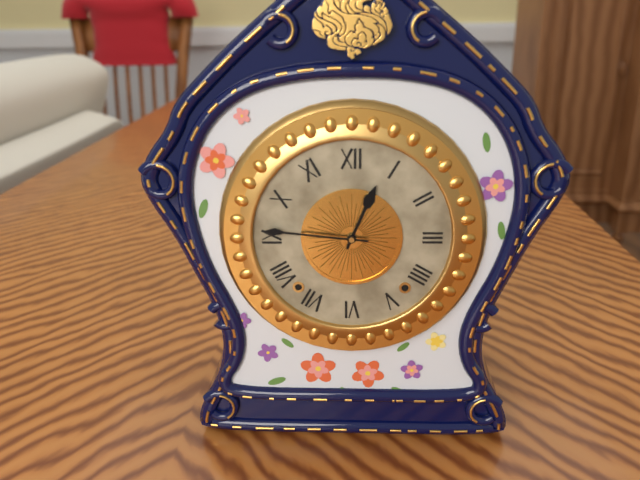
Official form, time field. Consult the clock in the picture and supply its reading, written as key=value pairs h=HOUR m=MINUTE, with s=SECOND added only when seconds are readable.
h=12 m=46
